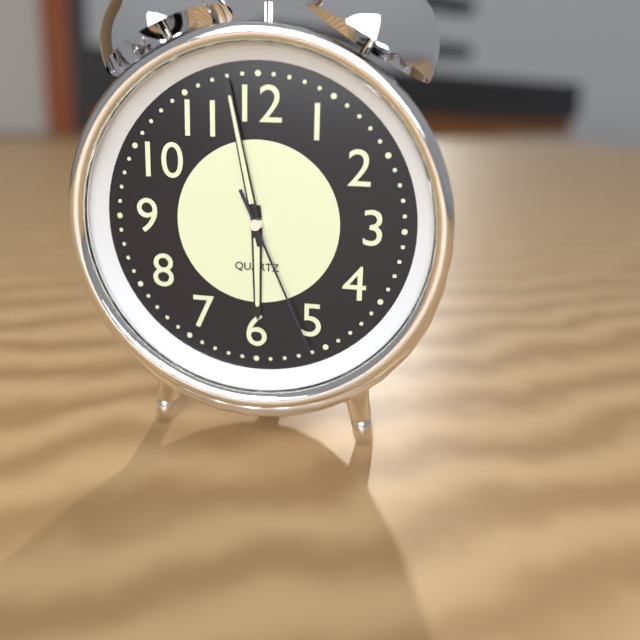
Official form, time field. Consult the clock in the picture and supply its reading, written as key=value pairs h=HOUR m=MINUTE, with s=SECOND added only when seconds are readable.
h=5 m=58 s=26
